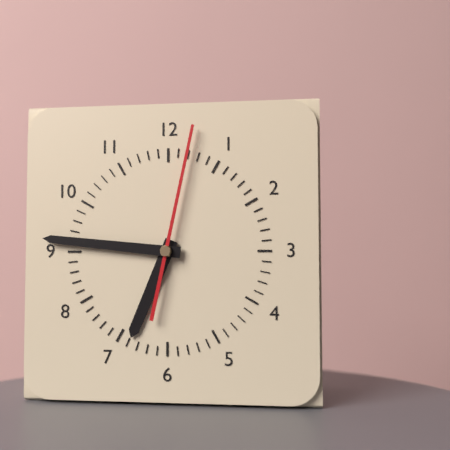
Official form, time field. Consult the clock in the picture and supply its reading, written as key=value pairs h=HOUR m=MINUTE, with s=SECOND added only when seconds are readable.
h=6 m=46 s=2
